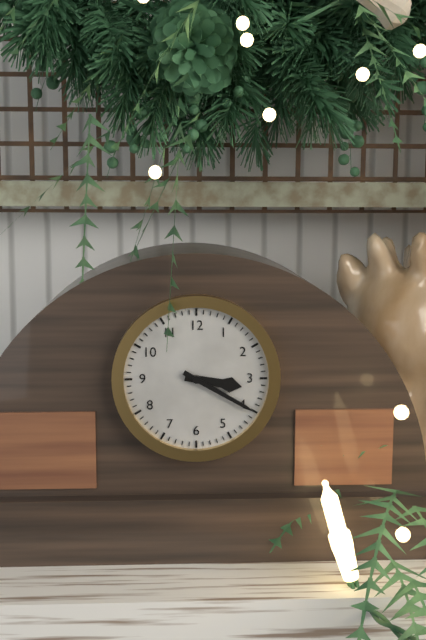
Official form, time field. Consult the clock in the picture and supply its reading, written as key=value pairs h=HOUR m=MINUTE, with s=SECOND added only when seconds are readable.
h=3 m=20
